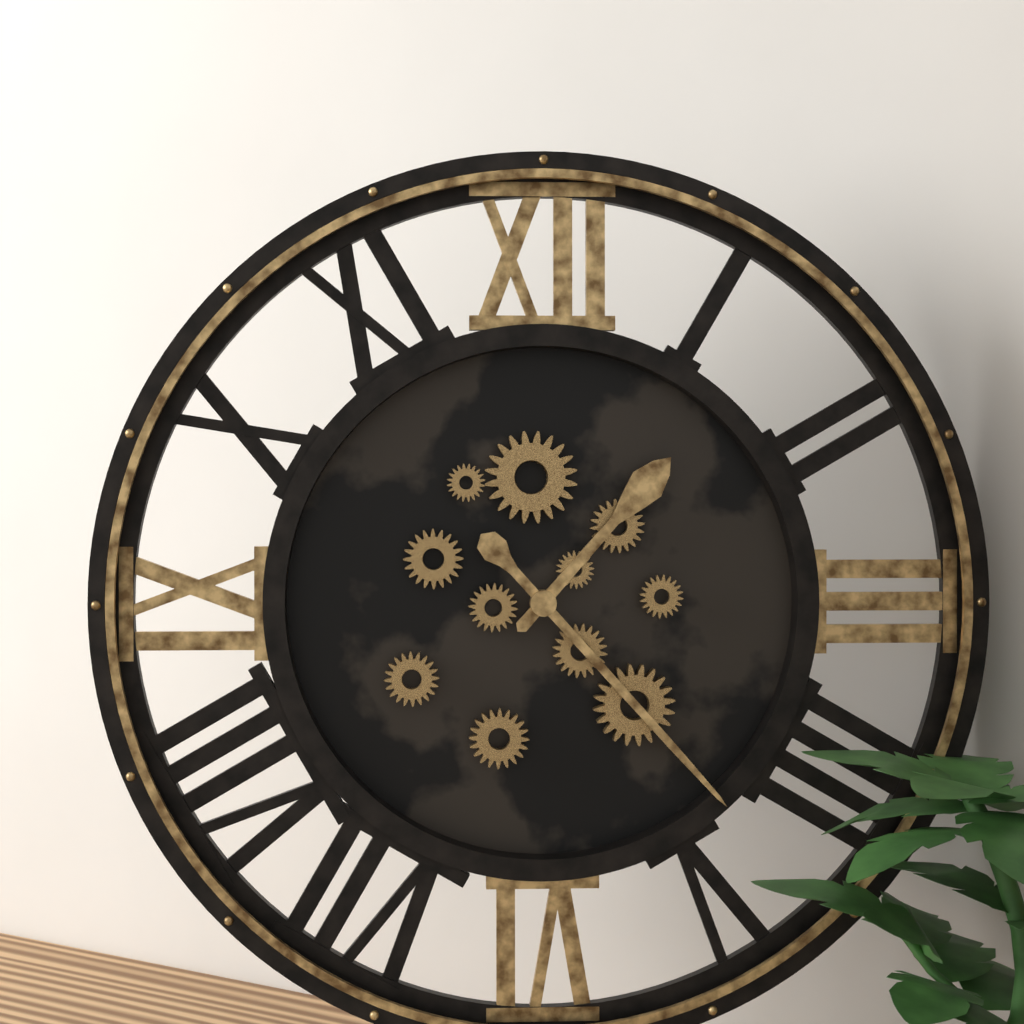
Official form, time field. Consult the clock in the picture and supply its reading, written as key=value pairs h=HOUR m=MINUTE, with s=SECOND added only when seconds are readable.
h=1 m=23
